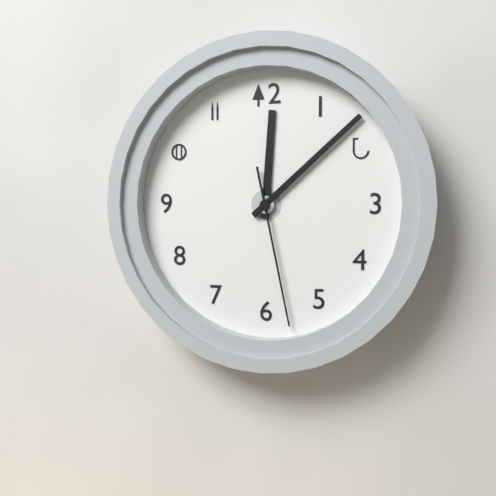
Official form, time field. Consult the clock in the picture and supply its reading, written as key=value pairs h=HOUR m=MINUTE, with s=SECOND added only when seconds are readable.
h=12 m=8 s=28
